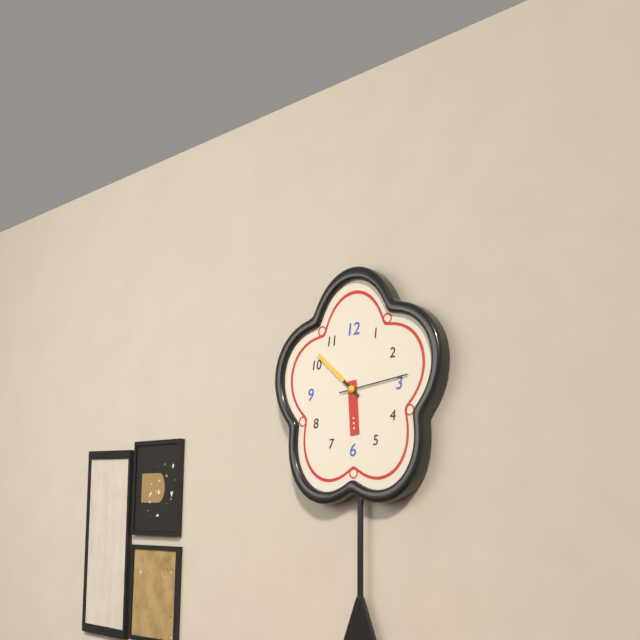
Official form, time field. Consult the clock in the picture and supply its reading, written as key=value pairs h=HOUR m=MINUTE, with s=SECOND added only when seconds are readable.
h=5 m=52 s=14
